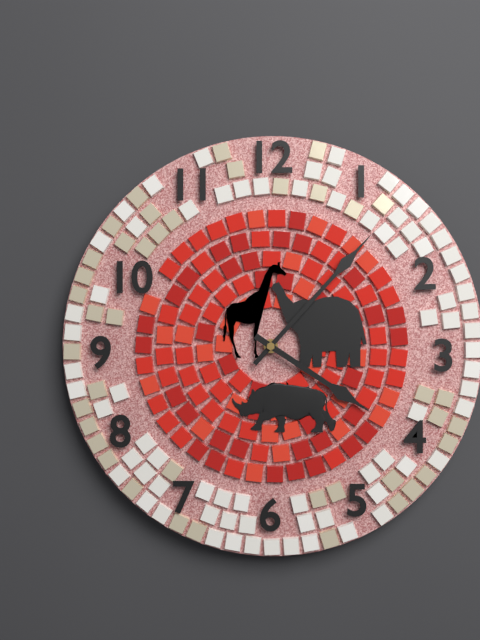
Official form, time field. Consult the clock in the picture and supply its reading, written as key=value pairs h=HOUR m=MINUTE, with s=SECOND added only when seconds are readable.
h=4 m=7
